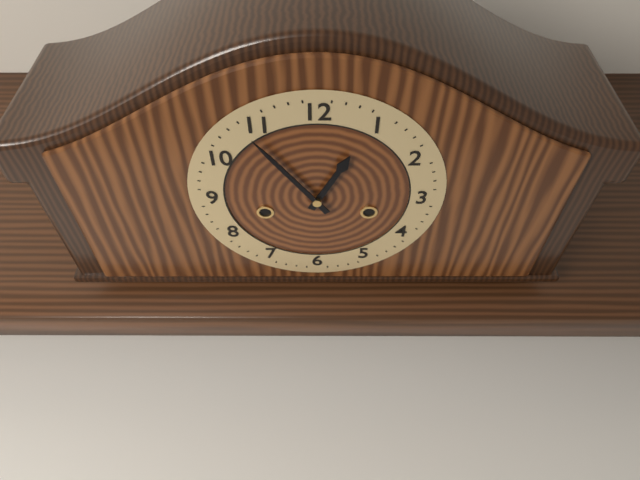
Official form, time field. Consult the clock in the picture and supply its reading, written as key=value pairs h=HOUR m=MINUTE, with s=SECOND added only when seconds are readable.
h=12 m=54
